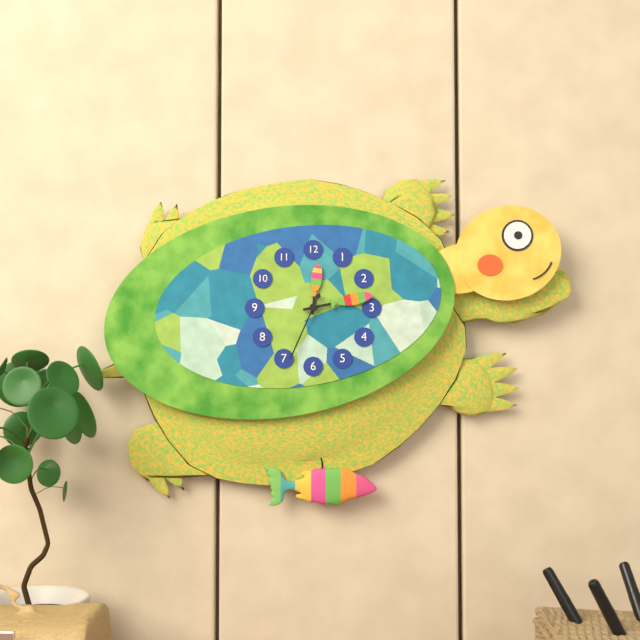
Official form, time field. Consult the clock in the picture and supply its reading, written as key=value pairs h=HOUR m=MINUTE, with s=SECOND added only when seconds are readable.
h=12 m=13 s=34
